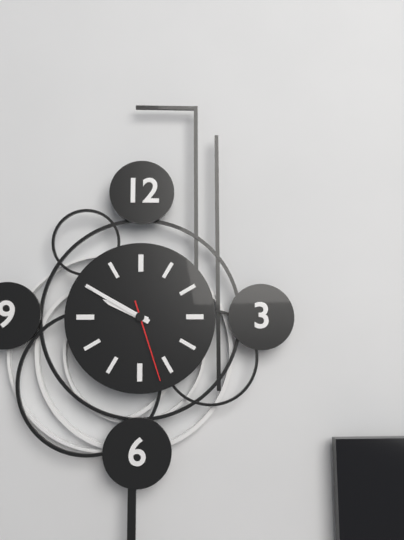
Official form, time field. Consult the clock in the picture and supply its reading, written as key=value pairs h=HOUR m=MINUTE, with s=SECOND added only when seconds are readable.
h=9 m=50 s=27
